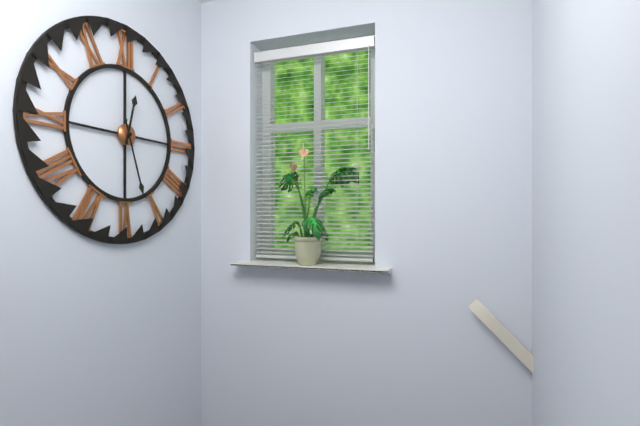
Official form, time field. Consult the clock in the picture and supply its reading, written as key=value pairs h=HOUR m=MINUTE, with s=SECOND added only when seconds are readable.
h=12 m=27
